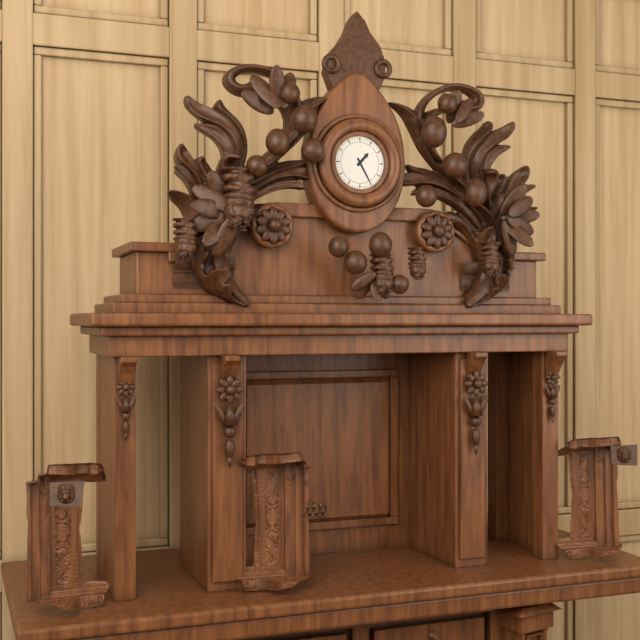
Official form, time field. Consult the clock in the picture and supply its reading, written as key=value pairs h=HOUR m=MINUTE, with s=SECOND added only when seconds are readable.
h=1 m=25
